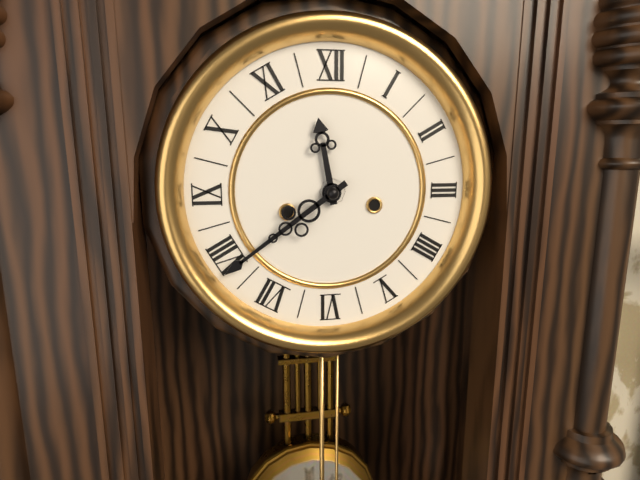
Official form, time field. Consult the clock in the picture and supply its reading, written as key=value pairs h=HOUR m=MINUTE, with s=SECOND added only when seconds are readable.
h=11 m=39
